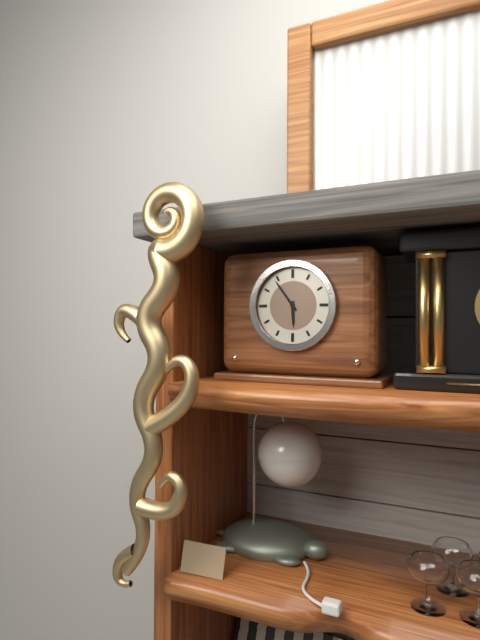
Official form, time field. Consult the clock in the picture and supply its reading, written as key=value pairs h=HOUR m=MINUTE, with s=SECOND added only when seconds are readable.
h=5 m=54
